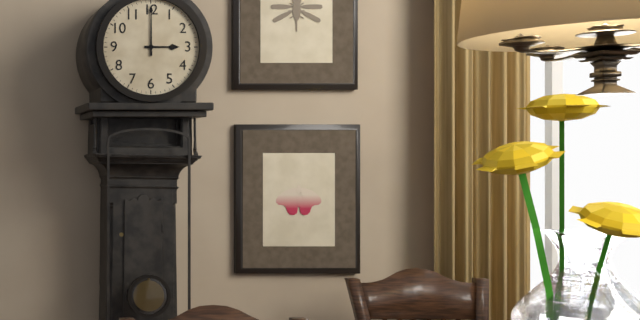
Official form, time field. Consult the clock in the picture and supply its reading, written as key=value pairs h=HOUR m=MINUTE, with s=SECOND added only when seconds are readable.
h=3 m=0
